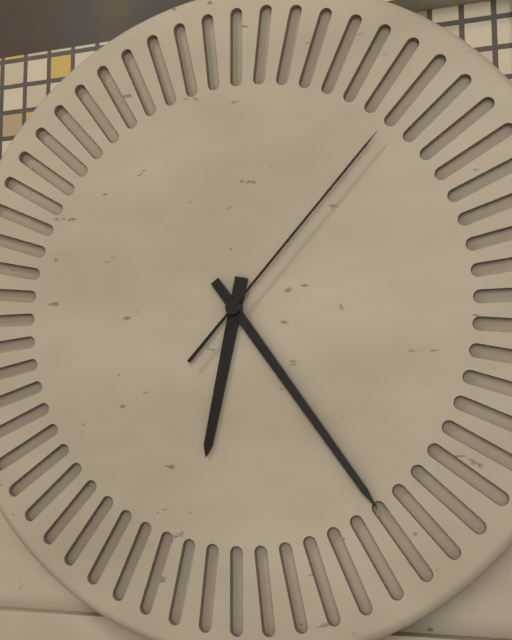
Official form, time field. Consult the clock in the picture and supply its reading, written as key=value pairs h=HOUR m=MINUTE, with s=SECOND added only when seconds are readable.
h=6 m=24 s=7
